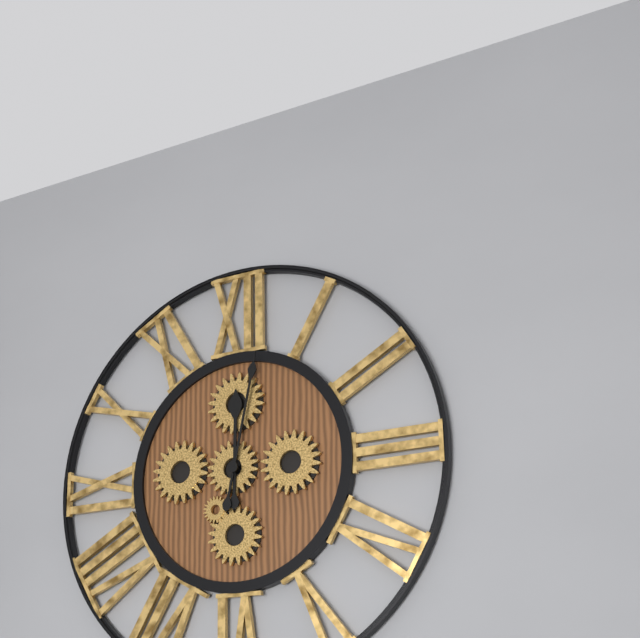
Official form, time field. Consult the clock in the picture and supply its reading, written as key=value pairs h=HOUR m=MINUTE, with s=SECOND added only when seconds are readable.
h=12 m=2
